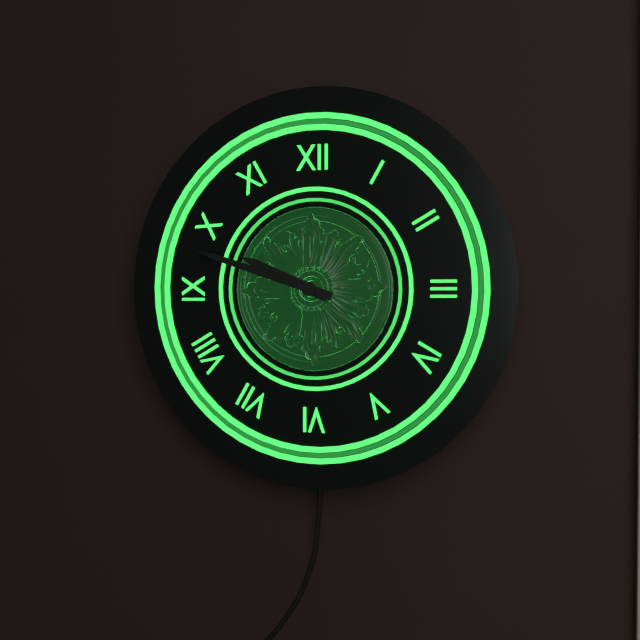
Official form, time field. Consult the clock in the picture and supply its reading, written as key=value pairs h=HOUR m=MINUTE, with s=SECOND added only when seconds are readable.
h=9 m=48
